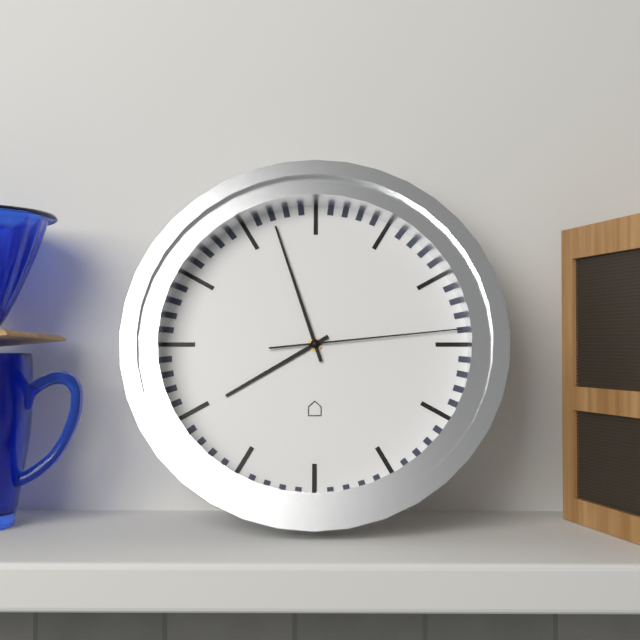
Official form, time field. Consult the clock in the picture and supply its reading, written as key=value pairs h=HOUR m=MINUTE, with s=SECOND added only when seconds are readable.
h=7 m=57 s=14
